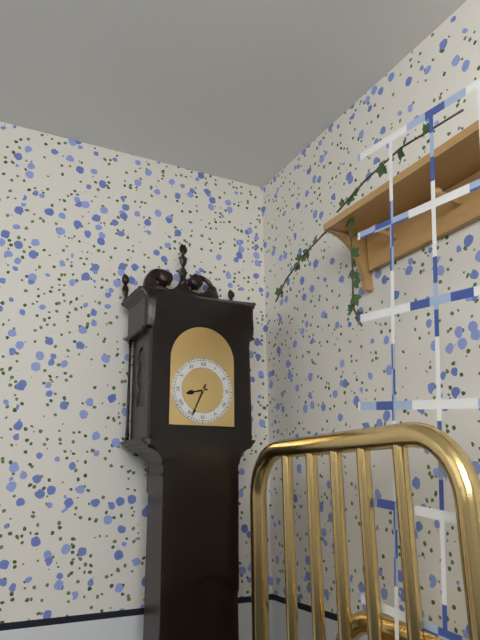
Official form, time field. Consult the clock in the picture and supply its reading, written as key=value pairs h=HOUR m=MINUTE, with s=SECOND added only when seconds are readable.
h=8 m=34
